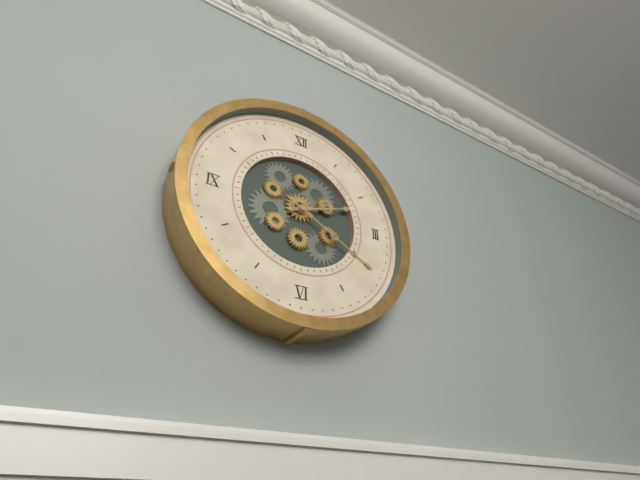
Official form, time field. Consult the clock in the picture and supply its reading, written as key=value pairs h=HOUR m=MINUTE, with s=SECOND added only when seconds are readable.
h=2 m=20
